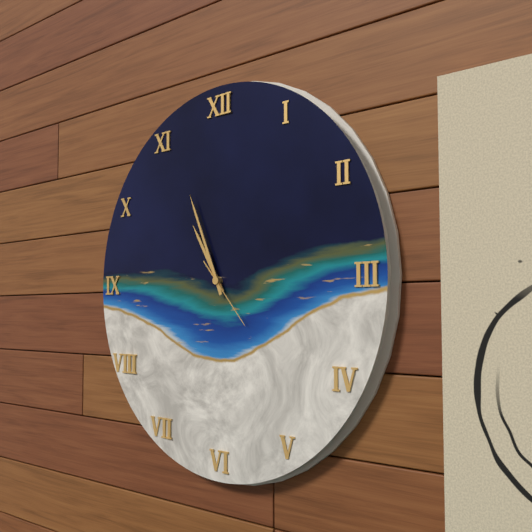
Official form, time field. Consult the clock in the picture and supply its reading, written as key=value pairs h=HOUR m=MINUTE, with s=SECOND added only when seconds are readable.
h=10 m=56 s=23
